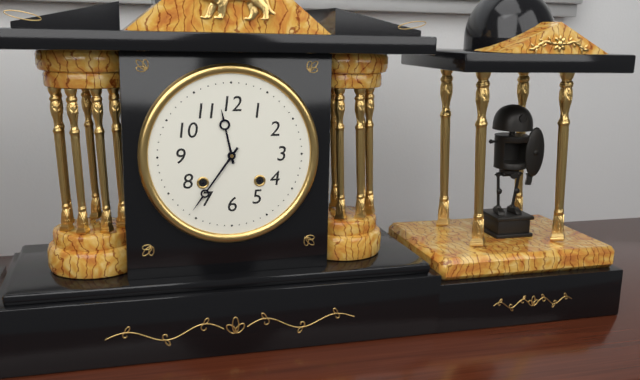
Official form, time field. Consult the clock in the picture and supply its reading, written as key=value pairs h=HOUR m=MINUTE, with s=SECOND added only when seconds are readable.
h=11 m=36
